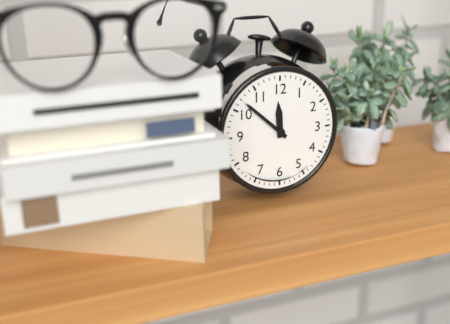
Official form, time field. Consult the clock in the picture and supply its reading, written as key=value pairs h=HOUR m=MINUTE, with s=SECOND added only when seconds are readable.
h=11 m=52
